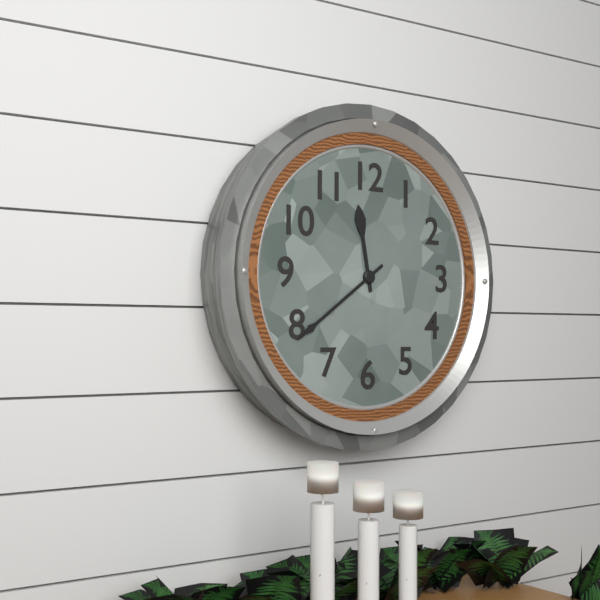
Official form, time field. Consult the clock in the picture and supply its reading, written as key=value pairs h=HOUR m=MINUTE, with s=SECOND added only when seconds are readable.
h=11 m=39
